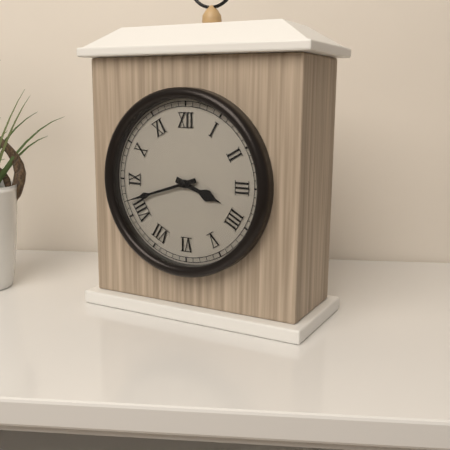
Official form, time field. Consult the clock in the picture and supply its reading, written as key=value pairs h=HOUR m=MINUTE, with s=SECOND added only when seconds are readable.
h=3 m=42
